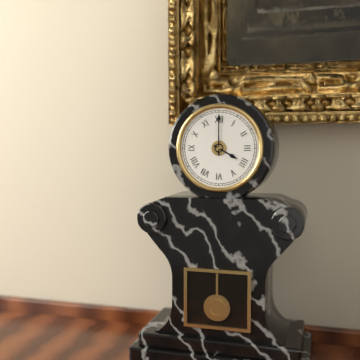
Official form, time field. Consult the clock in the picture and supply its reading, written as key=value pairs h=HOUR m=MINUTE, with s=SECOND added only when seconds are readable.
h=4 m=0
